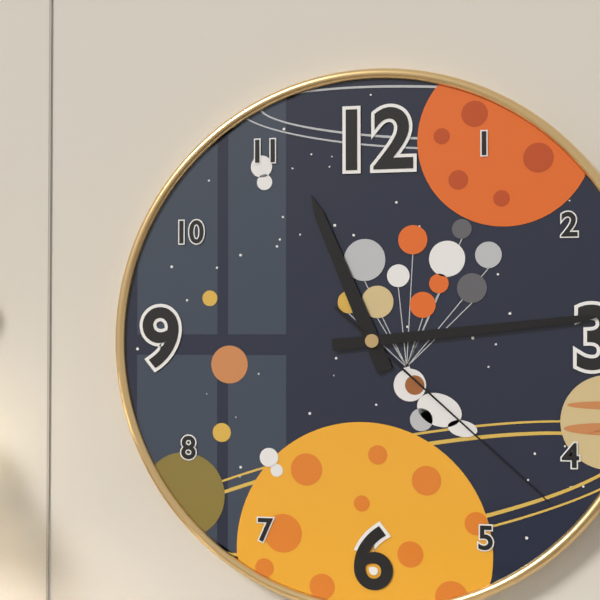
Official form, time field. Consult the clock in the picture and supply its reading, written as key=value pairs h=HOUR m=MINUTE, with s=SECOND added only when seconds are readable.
h=11 m=14 s=22
